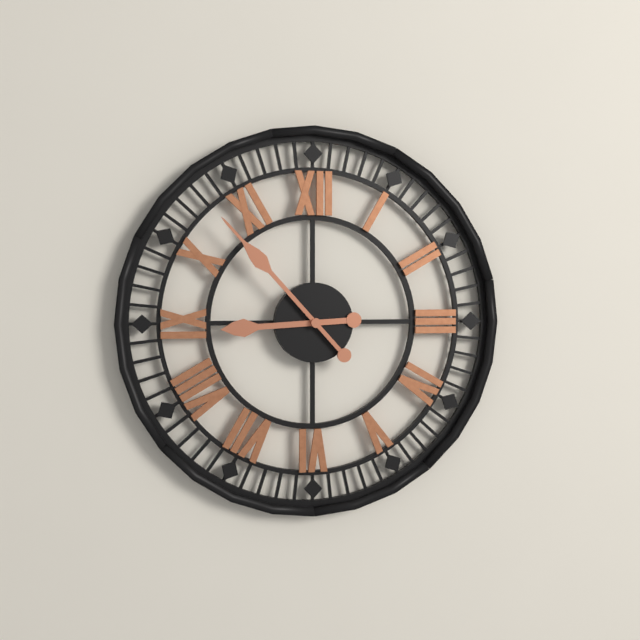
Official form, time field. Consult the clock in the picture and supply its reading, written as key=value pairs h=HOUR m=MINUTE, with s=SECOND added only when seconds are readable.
h=8 m=53
